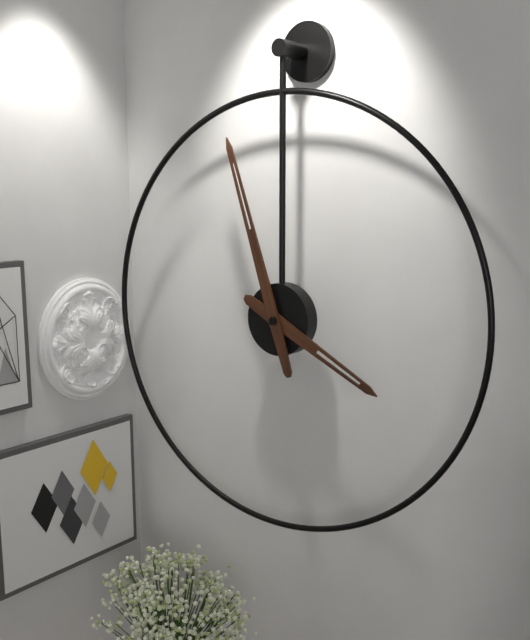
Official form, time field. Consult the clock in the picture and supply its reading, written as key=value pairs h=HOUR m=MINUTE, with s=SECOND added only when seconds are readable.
h=3 m=57
